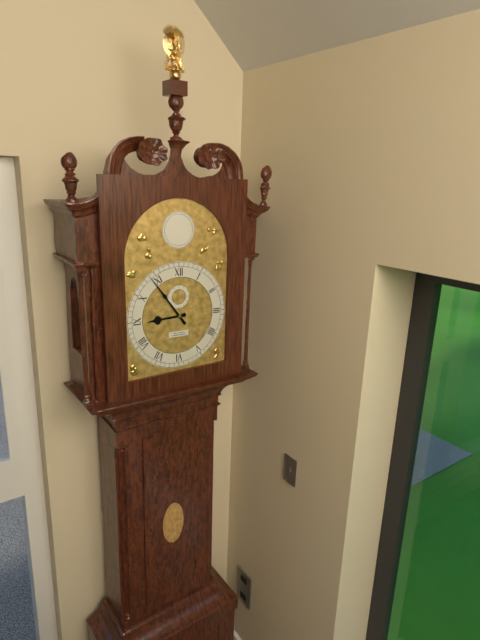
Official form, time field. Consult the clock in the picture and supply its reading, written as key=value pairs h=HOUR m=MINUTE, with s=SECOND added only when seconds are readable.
h=8 m=54
